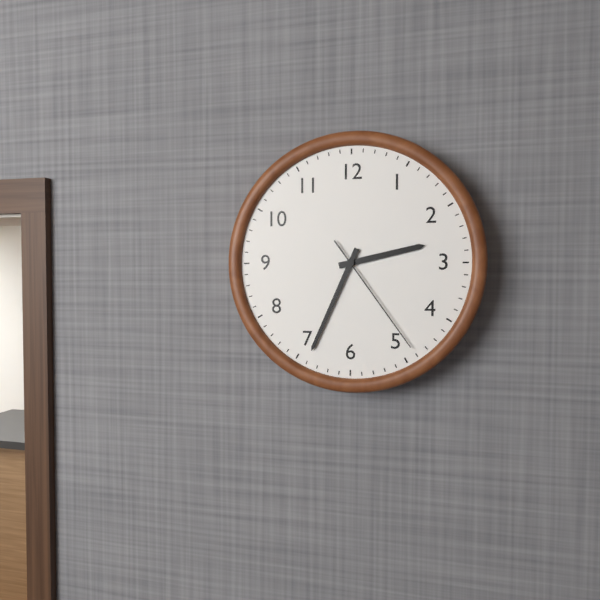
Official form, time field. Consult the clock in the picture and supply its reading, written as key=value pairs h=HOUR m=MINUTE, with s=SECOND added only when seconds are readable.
h=2 m=34 s=24
